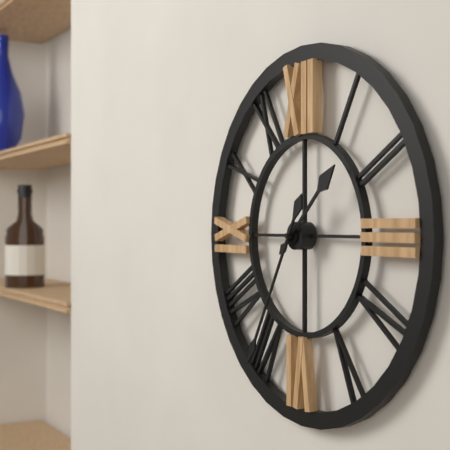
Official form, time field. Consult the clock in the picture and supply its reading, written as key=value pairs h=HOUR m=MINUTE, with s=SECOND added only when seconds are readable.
h=1 m=35
